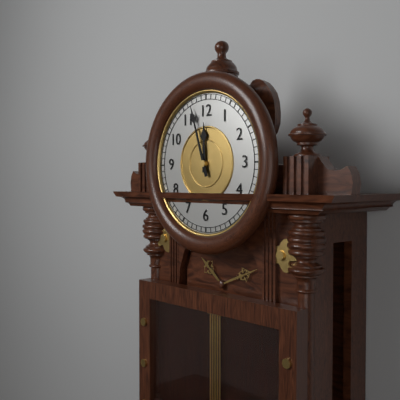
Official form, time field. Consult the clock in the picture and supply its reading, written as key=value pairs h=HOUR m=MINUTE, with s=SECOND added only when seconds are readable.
h=11 m=57
